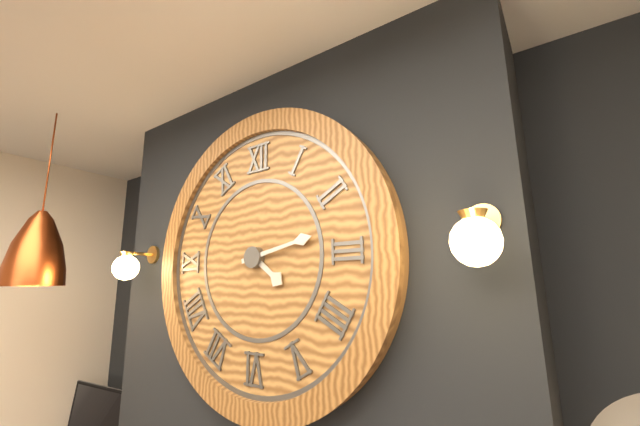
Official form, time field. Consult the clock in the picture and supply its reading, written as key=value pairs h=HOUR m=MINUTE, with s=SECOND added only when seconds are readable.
h=4 m=13
